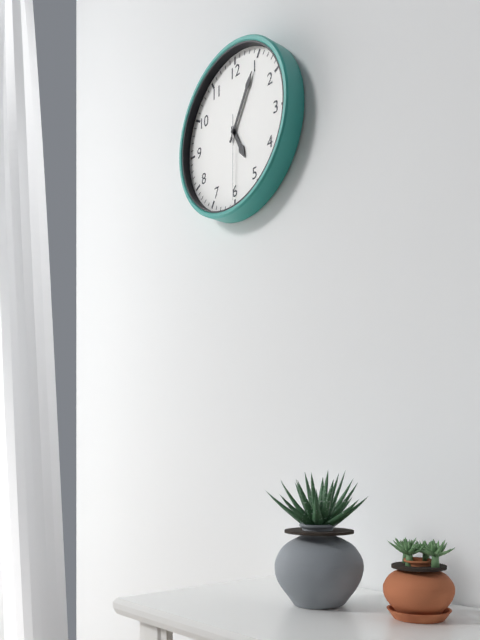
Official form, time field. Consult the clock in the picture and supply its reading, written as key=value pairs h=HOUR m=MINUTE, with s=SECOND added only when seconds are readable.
h=5 m=5 s=30
